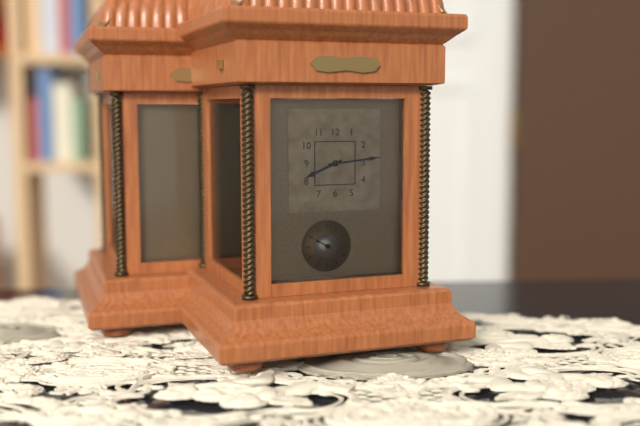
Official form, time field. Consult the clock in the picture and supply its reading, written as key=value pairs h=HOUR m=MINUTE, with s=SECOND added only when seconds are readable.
h=8 m=14
